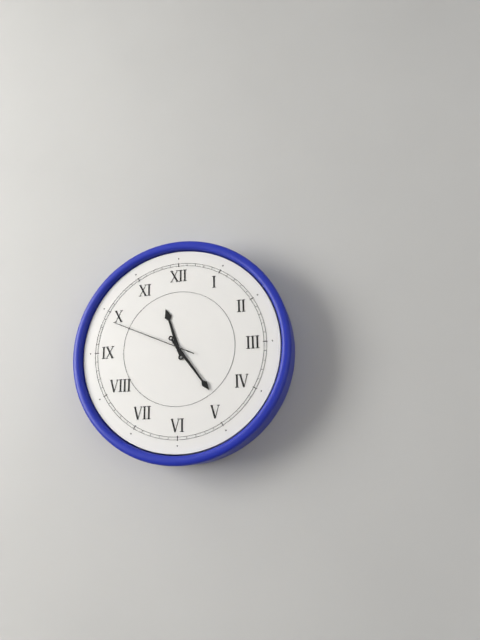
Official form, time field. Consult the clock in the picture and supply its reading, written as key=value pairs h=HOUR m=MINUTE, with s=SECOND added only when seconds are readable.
h=11 m=24 s=49
